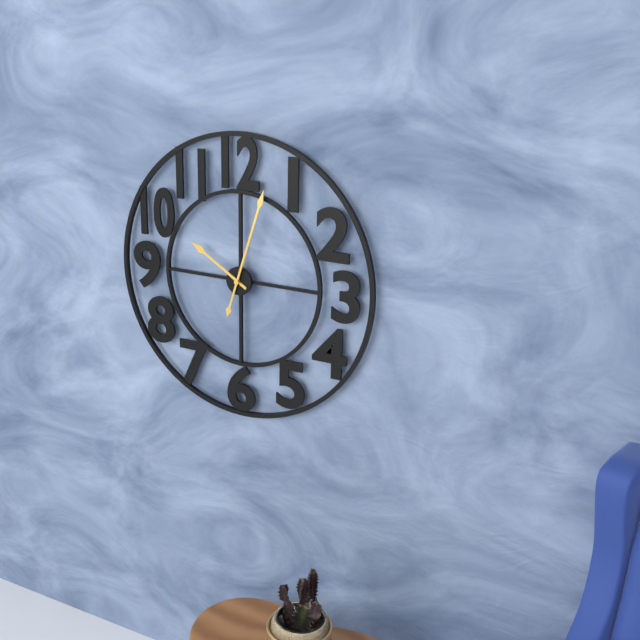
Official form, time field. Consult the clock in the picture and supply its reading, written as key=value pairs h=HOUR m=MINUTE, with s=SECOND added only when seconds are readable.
h=10 m=3
